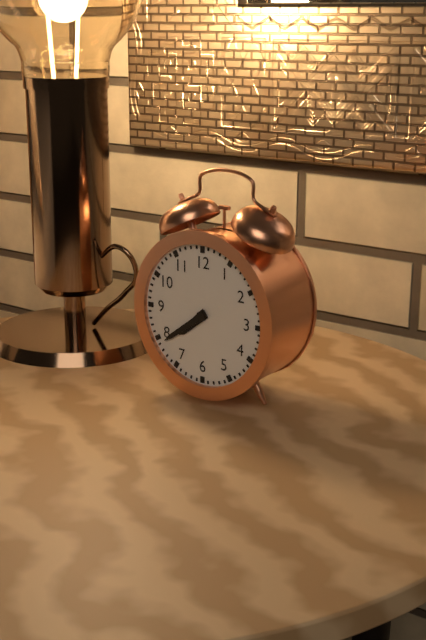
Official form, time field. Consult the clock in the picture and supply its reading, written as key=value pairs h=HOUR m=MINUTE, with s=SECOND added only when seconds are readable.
h=7 m=39
